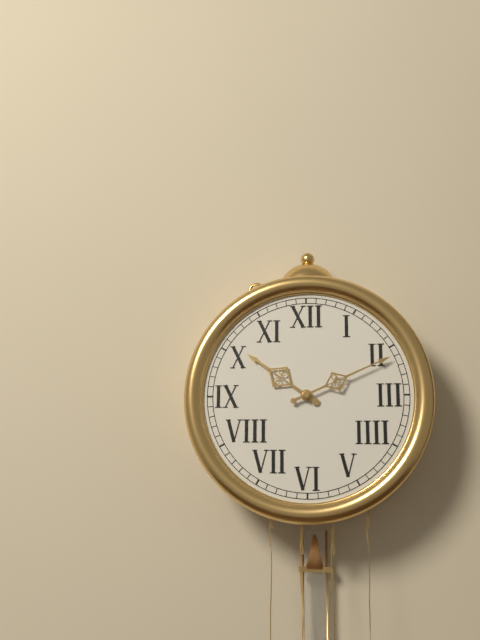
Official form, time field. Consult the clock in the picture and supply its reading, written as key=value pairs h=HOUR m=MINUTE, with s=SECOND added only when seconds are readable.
h=10 m=11
